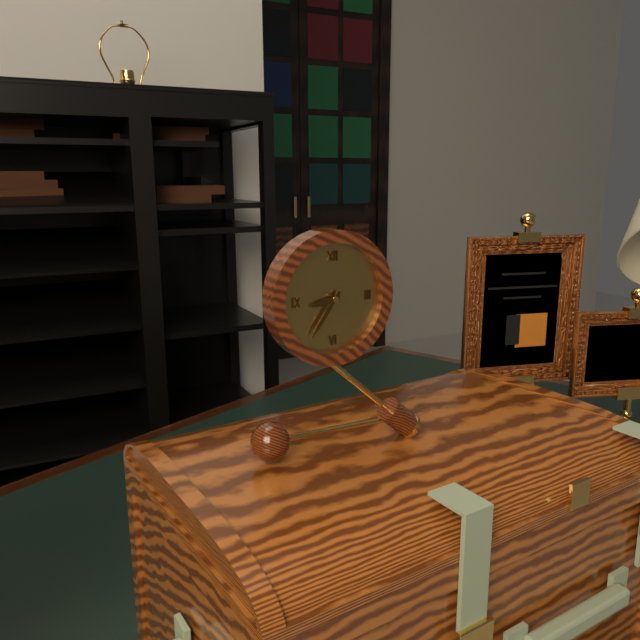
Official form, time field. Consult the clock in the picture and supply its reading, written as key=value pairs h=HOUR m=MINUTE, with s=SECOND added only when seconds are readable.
h=8 m=36
